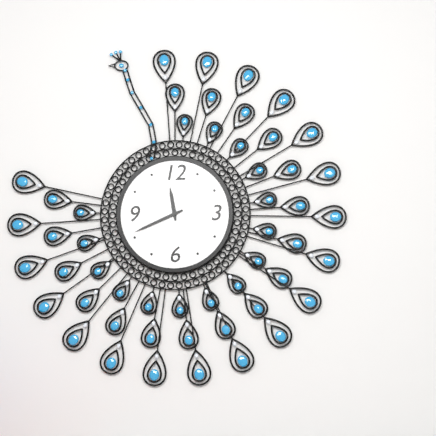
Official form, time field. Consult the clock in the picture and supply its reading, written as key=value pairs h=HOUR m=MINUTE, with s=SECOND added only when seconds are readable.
h=11 m=41
